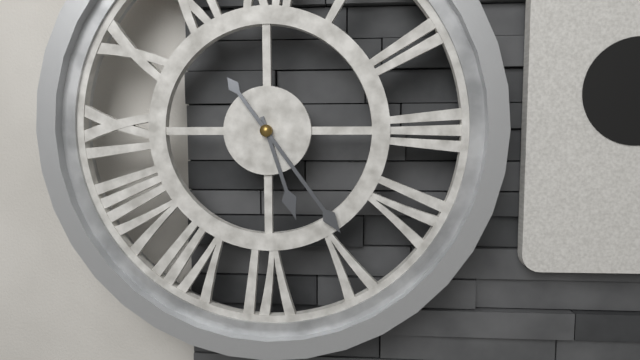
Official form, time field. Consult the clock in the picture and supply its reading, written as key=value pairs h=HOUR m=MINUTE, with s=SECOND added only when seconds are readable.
h=5 m=24
